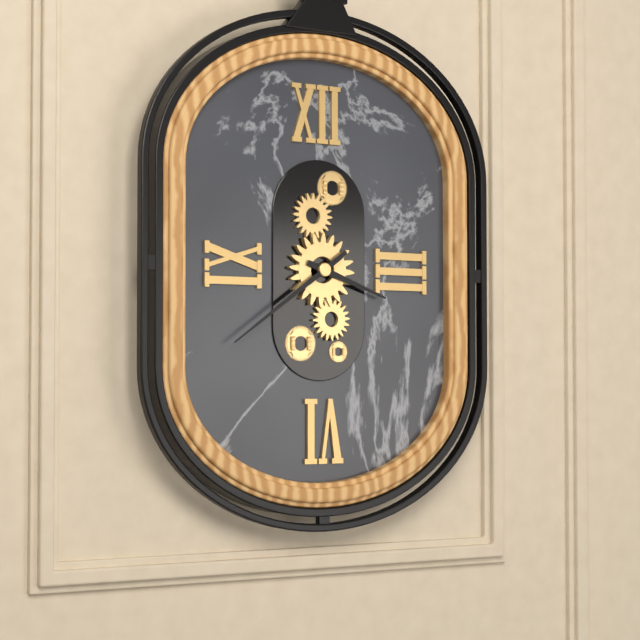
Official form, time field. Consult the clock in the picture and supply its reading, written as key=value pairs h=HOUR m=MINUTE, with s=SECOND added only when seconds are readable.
h=3 m=39
